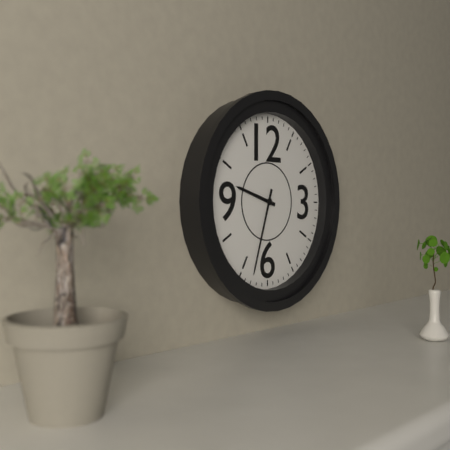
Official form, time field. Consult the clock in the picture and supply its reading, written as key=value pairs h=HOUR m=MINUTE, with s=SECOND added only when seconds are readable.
h=9 m=33
